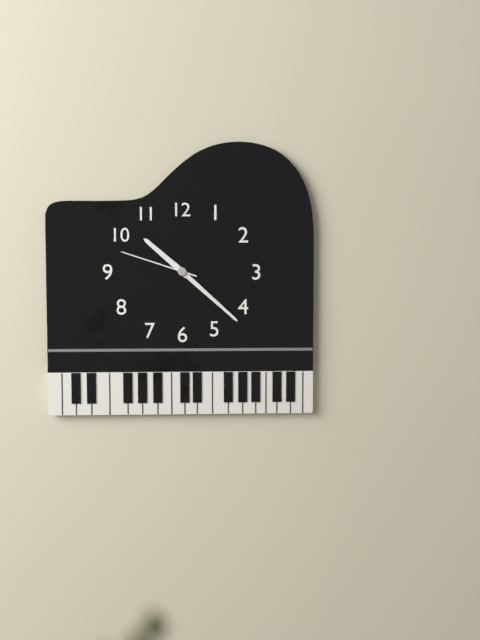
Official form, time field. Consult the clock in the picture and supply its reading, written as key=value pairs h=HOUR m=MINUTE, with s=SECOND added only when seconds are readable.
h=10 m=22 s=48
